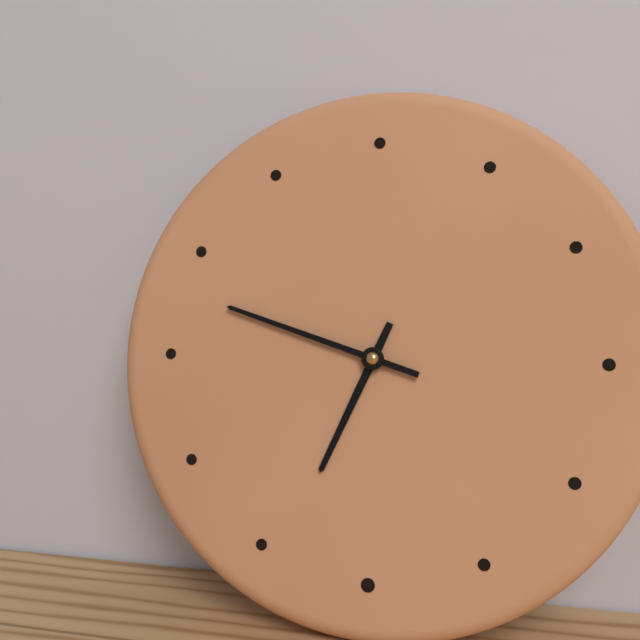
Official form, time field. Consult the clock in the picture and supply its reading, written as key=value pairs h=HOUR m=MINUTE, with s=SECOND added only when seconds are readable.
h=6 m=48
